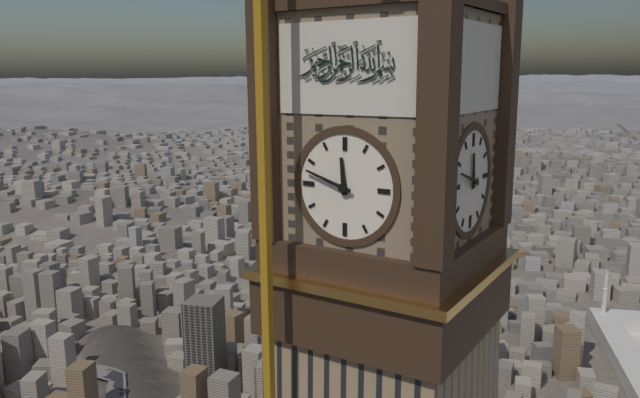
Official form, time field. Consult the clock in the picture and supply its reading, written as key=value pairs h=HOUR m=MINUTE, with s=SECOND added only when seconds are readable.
h=11 m=48
